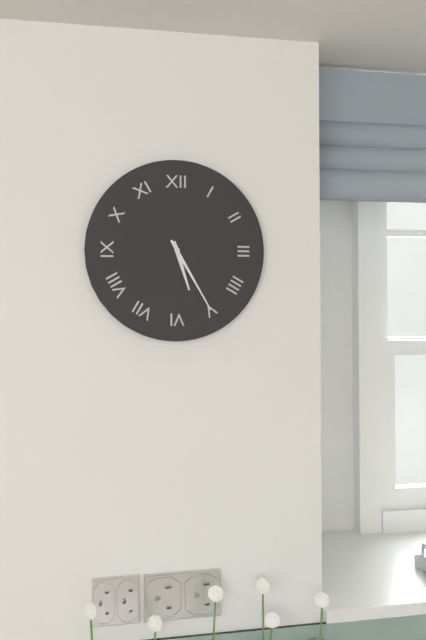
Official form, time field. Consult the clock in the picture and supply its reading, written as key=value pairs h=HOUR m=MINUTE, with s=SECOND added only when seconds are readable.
h=5 m=25
